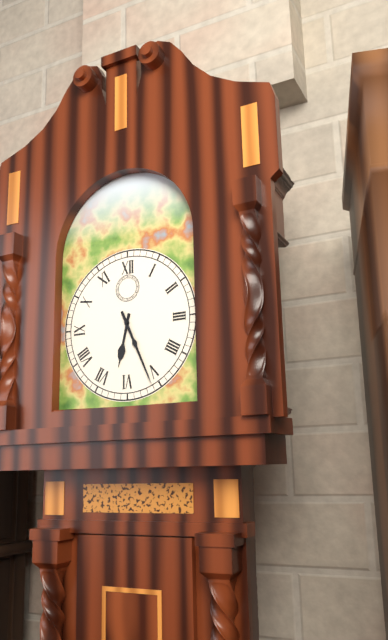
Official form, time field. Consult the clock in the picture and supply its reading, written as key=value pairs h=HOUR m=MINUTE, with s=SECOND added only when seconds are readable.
h=6 m=26
